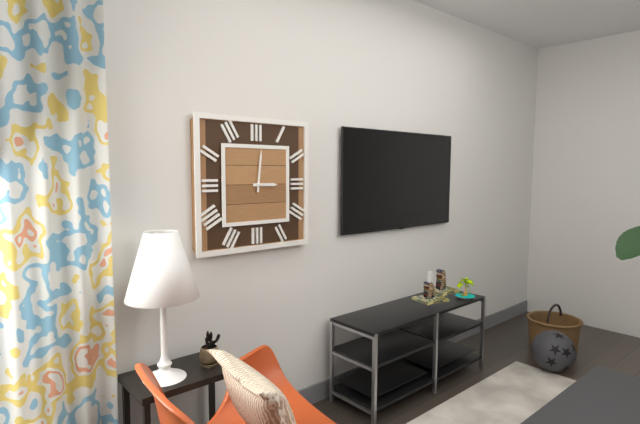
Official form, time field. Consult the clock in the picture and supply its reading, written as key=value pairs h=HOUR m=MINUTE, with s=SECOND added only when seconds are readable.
h=3 m=1
